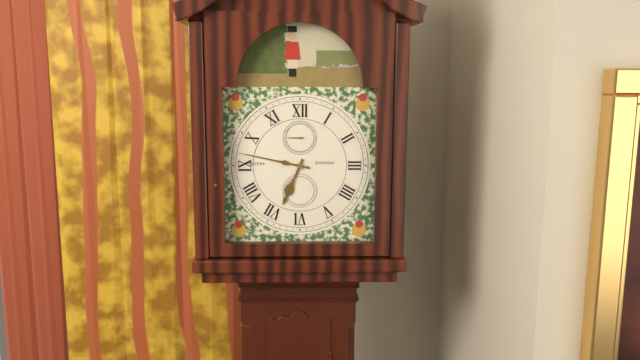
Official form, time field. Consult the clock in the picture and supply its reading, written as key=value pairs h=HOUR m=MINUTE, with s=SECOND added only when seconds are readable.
h=6 m=47
